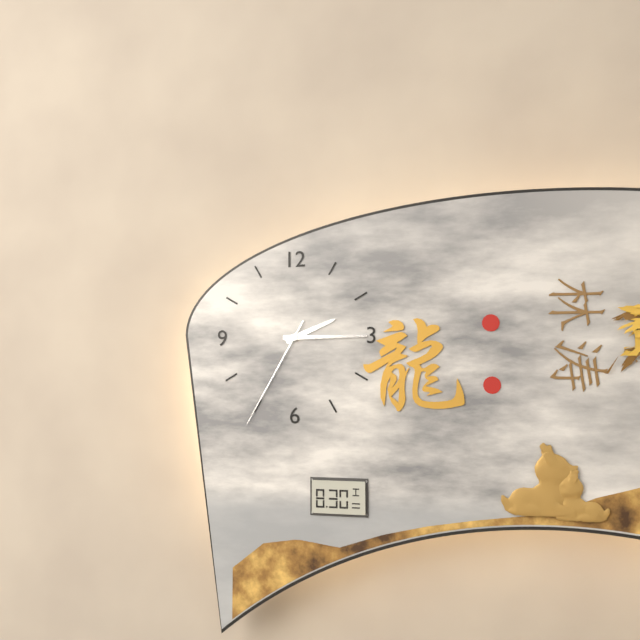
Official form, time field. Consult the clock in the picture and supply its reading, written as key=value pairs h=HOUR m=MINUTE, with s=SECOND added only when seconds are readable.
h=2 m=15 s=35
